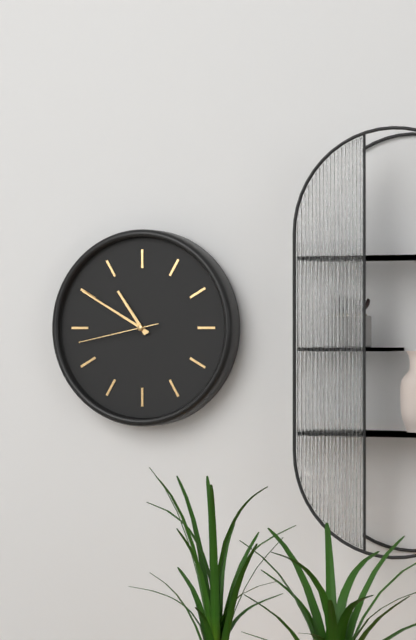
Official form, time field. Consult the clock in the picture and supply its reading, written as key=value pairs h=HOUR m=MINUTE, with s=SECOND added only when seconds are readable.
h=10 m=50 s=43
